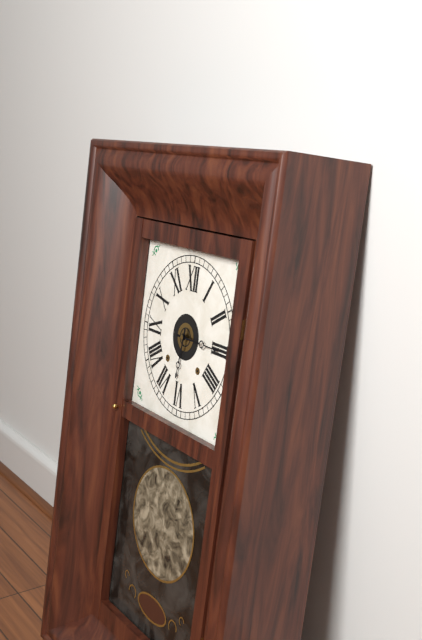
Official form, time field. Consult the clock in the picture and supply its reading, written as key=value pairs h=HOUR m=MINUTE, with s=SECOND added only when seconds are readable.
h=6 m=15
